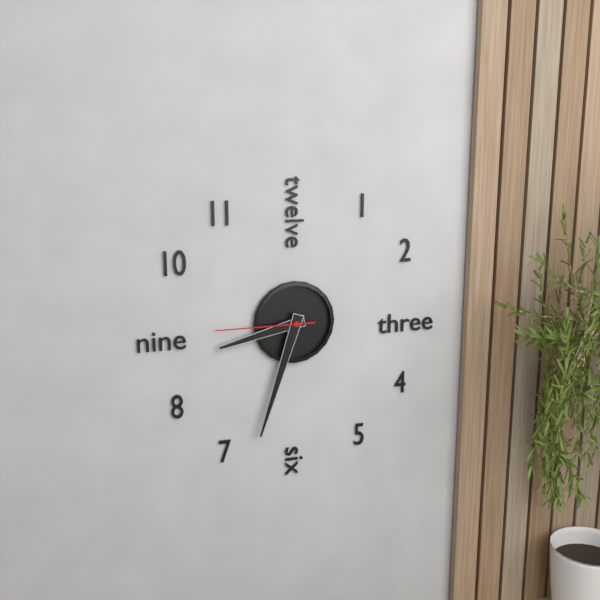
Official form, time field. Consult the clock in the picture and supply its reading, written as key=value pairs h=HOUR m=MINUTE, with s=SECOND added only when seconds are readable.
h=8 m=33 s=45
